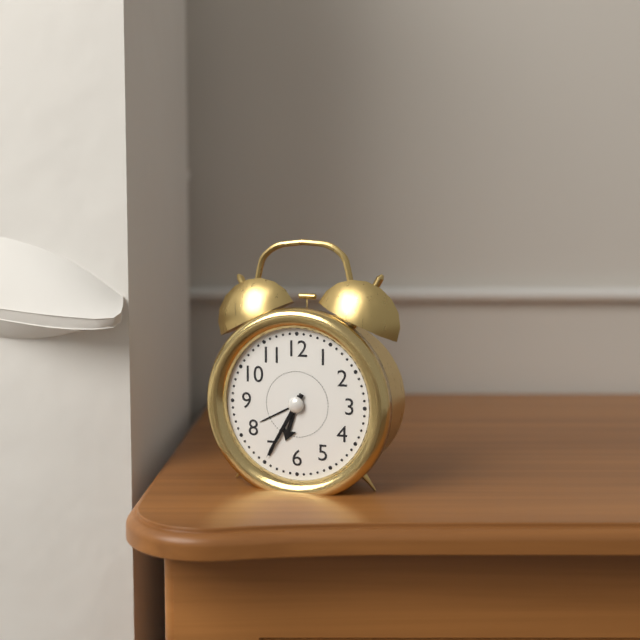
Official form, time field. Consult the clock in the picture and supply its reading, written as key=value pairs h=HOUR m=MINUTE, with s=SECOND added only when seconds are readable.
h=6 m=35
